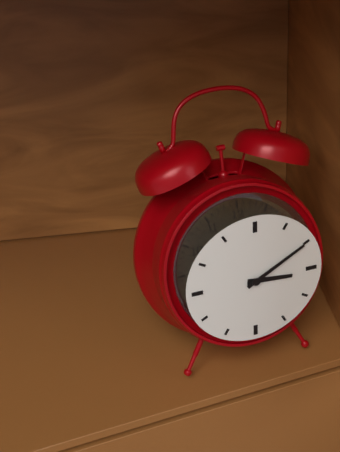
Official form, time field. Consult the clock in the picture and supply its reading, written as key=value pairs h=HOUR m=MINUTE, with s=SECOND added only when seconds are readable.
h=3 m=10
